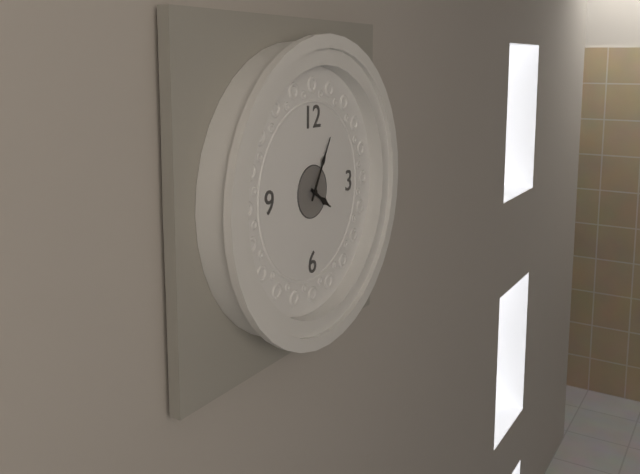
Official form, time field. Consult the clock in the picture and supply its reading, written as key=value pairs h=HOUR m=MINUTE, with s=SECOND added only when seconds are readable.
h=4 m=5
